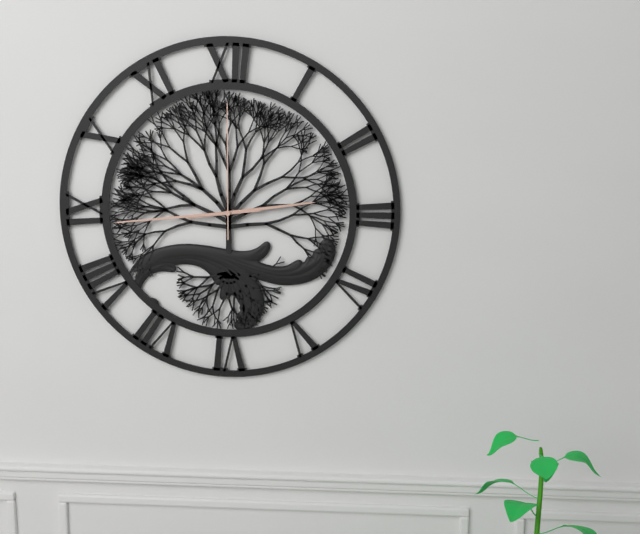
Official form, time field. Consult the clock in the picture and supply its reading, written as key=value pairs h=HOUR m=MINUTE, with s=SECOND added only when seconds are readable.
h=2 m=44 s=0
